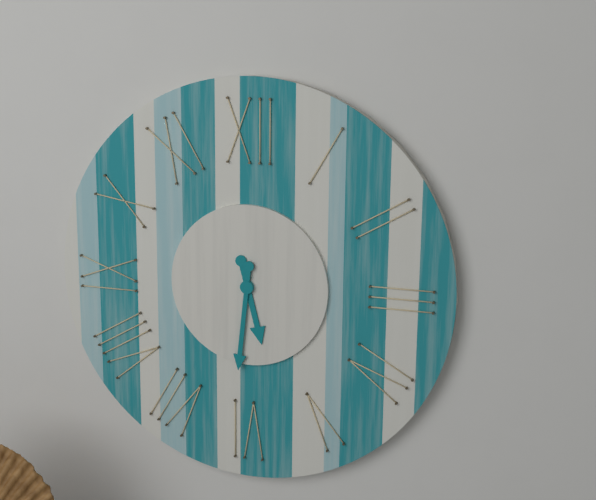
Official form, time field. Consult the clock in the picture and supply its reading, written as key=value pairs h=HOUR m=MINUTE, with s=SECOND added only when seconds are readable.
h=5 m=31
